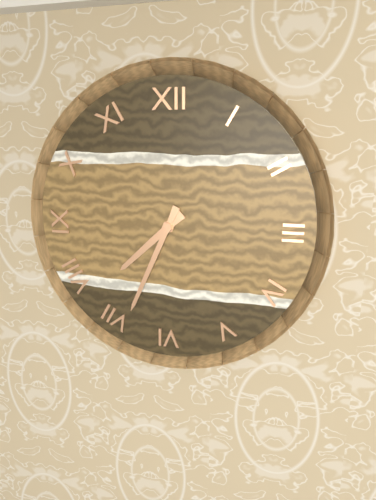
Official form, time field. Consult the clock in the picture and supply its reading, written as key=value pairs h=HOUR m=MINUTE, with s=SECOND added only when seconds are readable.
h=7 m=34
